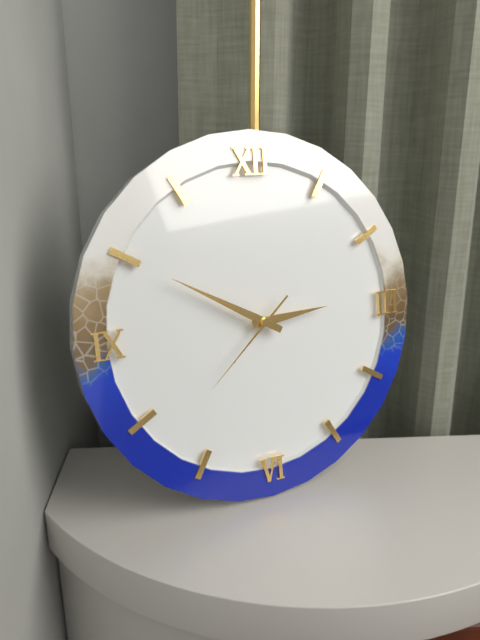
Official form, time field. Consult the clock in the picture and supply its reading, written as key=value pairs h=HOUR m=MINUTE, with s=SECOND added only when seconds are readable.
h=2 m=50 s=38
